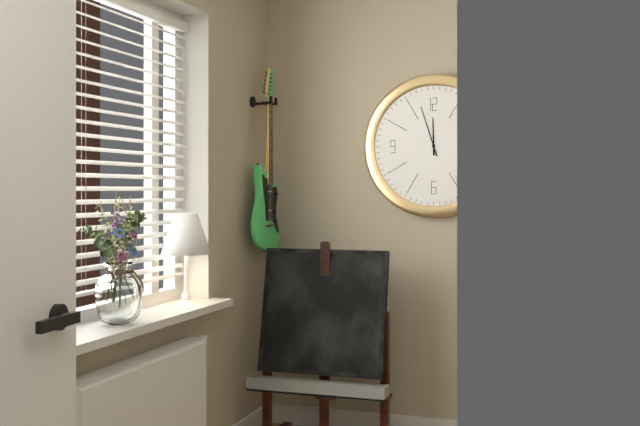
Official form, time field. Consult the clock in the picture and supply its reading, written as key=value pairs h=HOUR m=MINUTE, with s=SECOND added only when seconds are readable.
h=11 m=57
